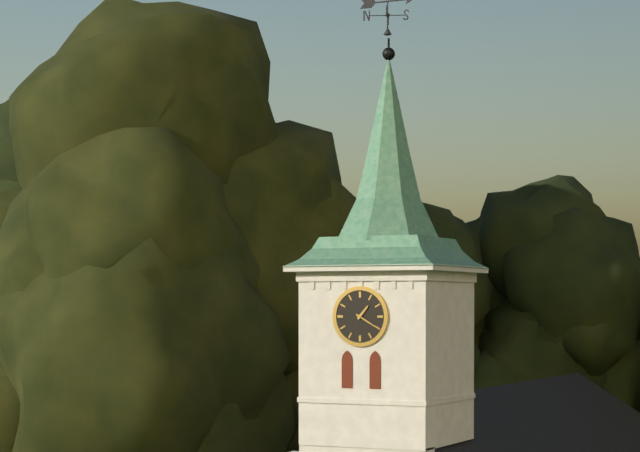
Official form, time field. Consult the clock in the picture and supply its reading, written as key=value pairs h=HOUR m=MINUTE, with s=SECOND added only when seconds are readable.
h=1 m=20
